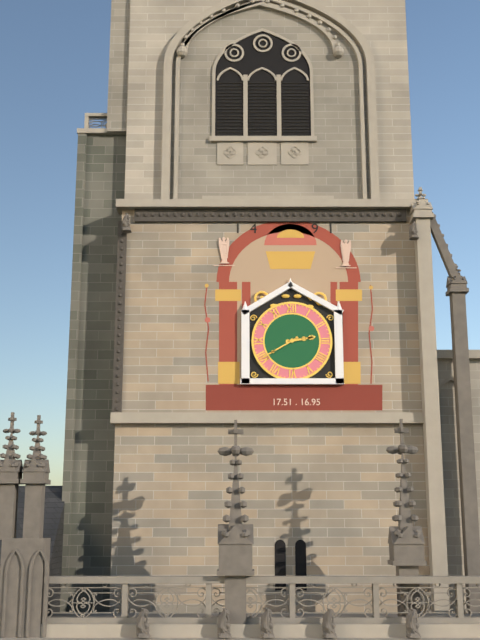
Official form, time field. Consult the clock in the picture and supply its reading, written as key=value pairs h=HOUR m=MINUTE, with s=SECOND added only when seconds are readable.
h=2 m=40
